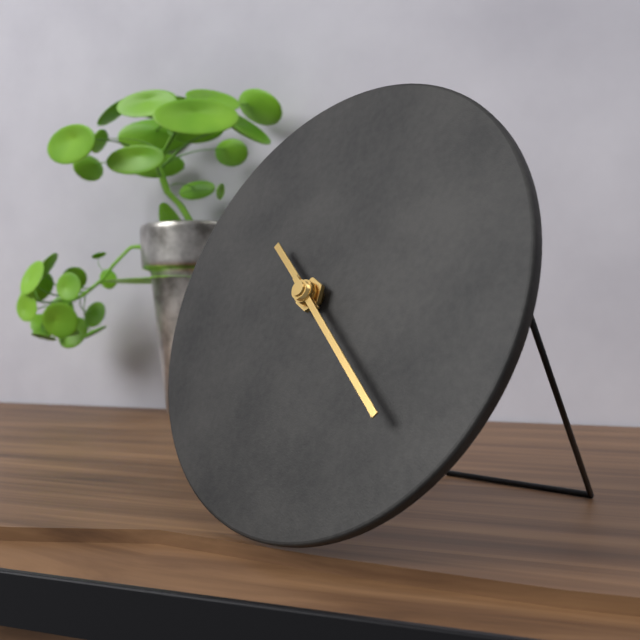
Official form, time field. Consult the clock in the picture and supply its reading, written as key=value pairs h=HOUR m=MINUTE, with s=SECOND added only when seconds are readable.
h=10 m=22
